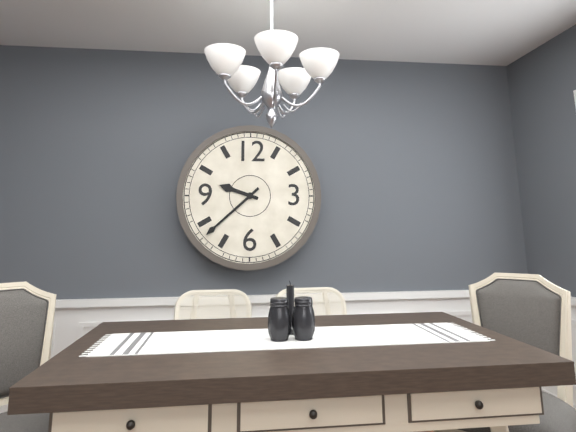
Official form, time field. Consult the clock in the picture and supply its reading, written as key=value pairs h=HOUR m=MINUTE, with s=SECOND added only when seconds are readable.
h=9 m=38
